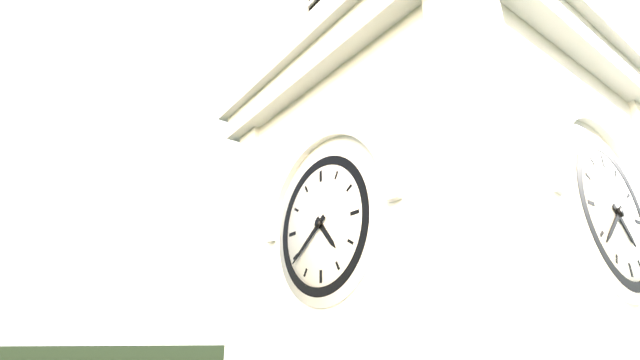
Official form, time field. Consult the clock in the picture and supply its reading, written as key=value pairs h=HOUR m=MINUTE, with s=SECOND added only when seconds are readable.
h=4 m=39
